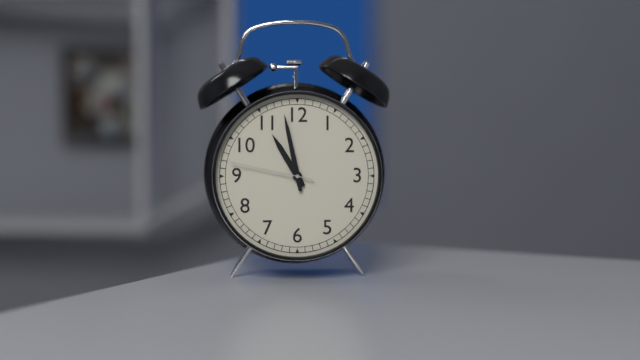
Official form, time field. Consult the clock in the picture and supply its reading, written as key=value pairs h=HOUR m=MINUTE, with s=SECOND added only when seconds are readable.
h=10 m=58 s=47
